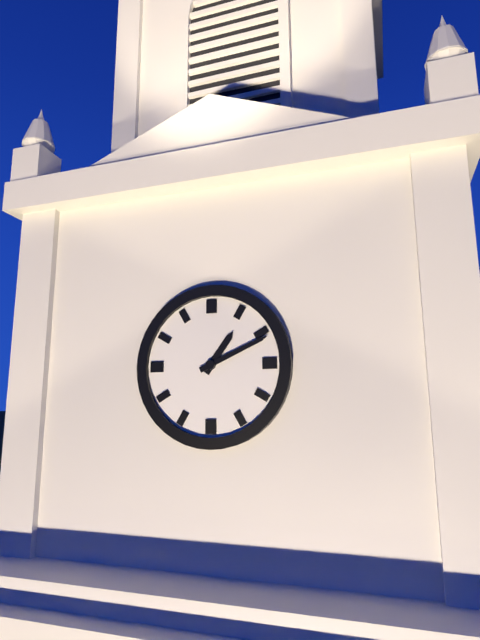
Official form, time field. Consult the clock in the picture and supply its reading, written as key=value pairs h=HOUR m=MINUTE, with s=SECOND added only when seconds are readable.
h=1 m=11
